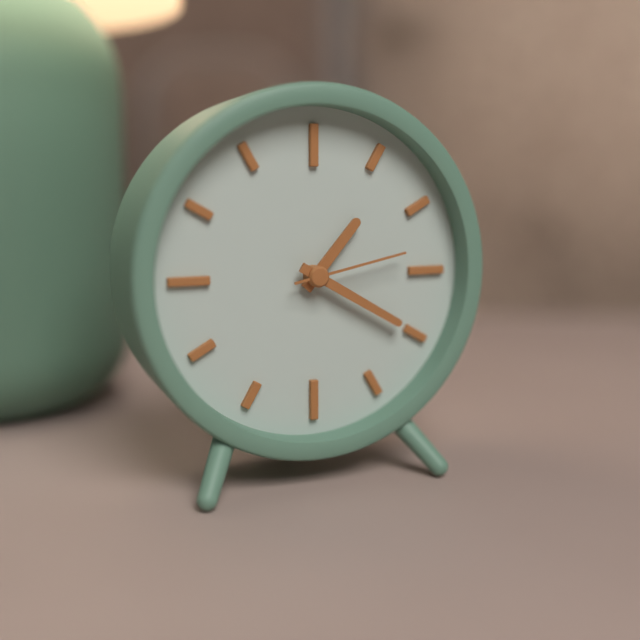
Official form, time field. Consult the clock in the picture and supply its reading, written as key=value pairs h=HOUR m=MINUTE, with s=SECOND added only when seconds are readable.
h=1 m=20 s=13
